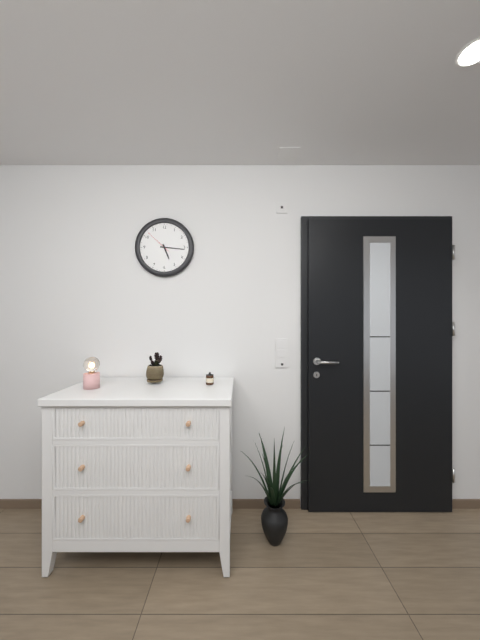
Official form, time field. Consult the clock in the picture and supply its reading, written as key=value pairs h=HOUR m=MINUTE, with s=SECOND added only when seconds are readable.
h=5 m=16
